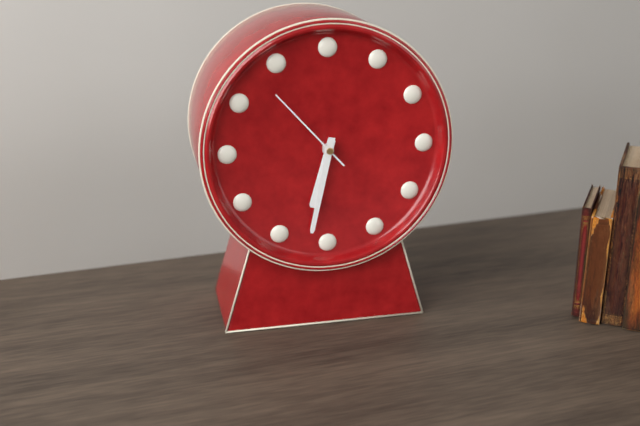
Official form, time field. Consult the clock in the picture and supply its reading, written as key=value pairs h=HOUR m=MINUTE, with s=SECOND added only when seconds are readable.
h=6 m=32 s=53
